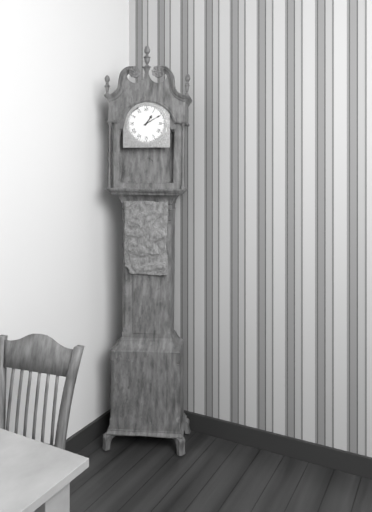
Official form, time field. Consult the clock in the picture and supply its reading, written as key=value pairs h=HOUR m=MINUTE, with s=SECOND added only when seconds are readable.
h=1 m=10
